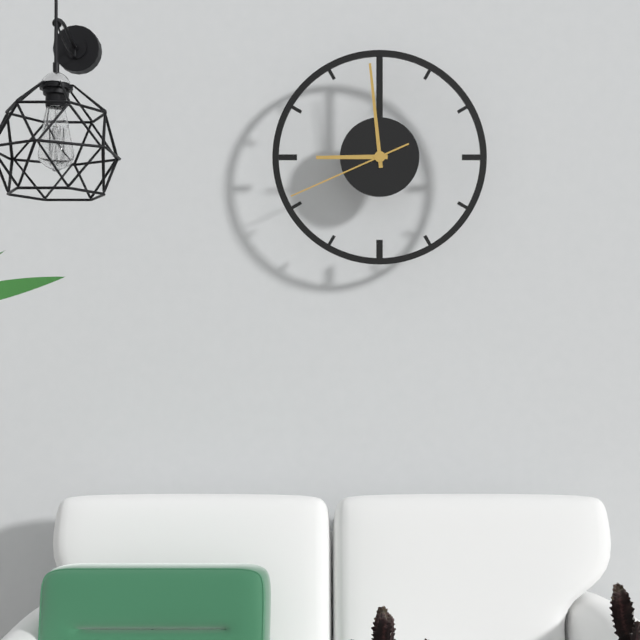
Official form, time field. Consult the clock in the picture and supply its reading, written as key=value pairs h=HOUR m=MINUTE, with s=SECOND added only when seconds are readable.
h=8 m=59 s=41
